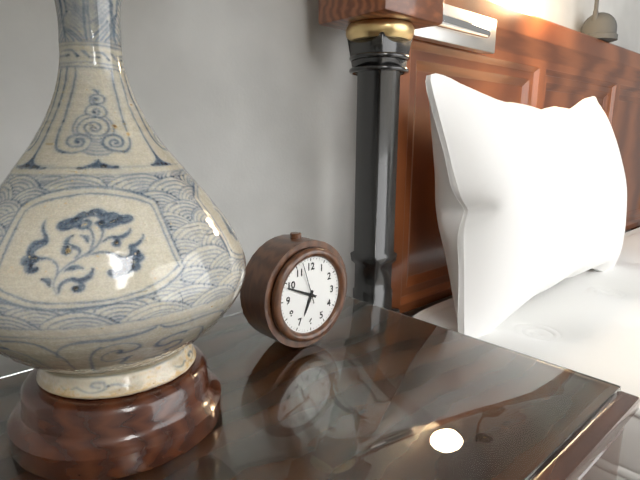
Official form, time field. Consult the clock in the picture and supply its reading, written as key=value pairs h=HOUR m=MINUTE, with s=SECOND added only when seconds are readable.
h=6 m=49
